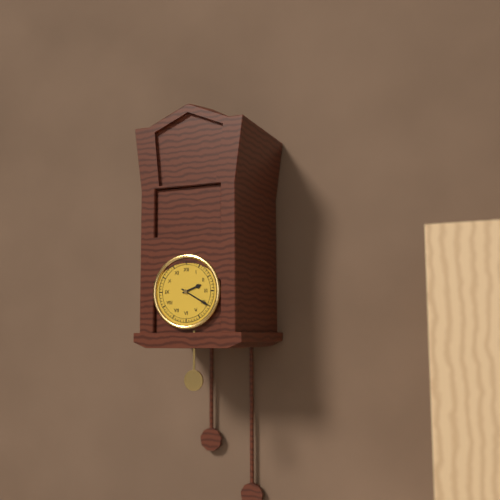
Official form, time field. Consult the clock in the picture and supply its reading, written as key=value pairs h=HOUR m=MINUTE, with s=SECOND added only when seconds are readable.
h=2 m=20
